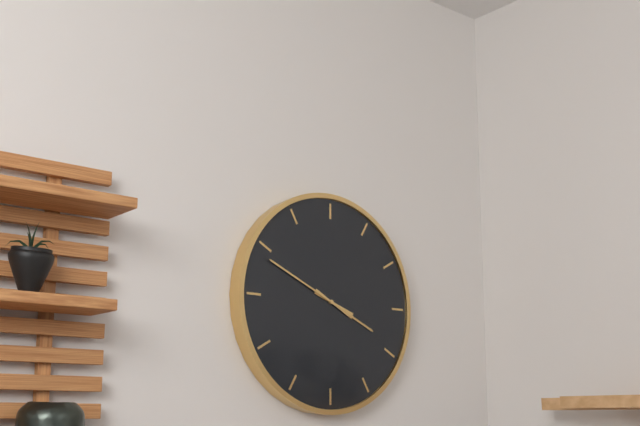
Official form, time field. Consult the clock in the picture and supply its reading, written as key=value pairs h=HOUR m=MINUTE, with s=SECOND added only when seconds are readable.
h=3 m=49
